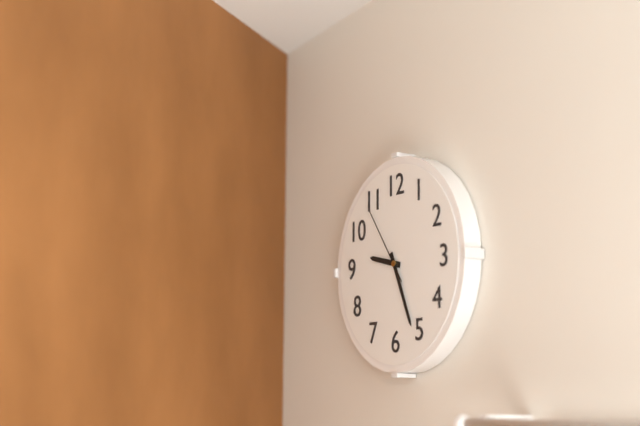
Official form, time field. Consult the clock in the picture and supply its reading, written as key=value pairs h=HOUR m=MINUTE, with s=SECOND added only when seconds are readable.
h=9 m=26 s=54
